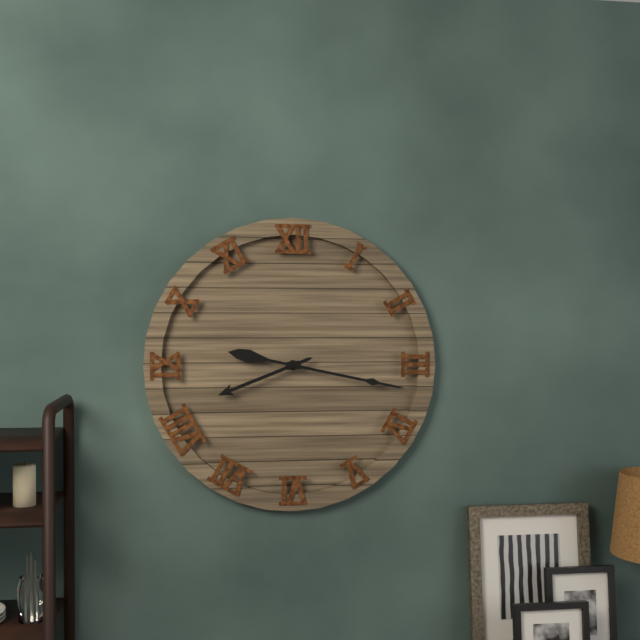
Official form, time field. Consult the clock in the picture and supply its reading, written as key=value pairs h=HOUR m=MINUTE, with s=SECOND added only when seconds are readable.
h=8 m=17
